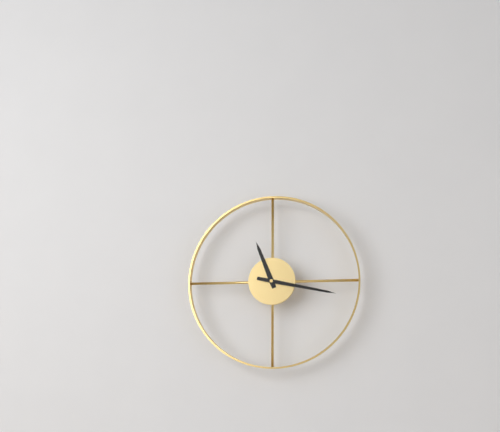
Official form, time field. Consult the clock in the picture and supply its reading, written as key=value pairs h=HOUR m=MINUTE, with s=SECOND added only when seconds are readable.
h=11 m=17
